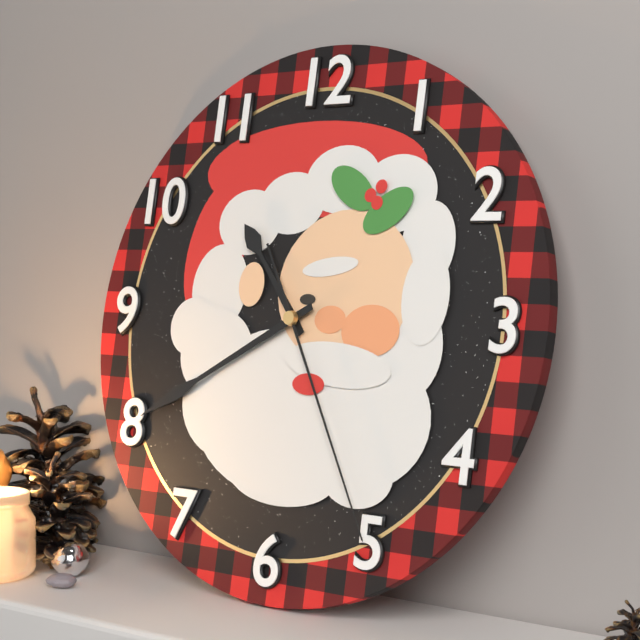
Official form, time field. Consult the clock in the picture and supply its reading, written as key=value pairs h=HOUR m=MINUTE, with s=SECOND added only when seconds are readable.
h=10 m=40 s=25
